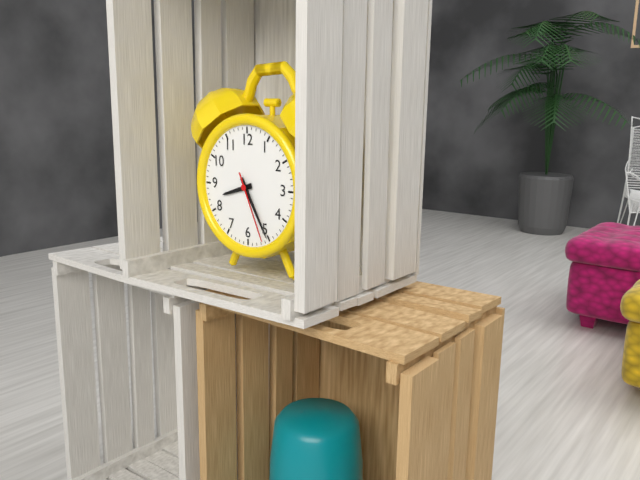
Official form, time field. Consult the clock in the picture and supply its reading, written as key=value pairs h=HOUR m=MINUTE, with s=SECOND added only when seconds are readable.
h=8 m=25 s=26
